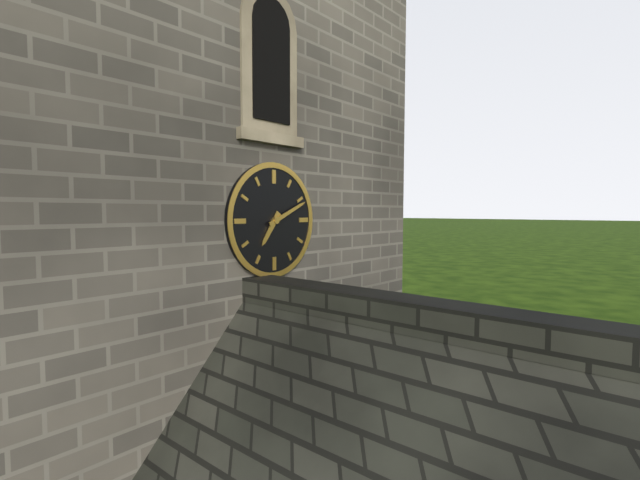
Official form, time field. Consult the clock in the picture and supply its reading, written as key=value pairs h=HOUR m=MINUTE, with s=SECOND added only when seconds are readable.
h=7 m=11
